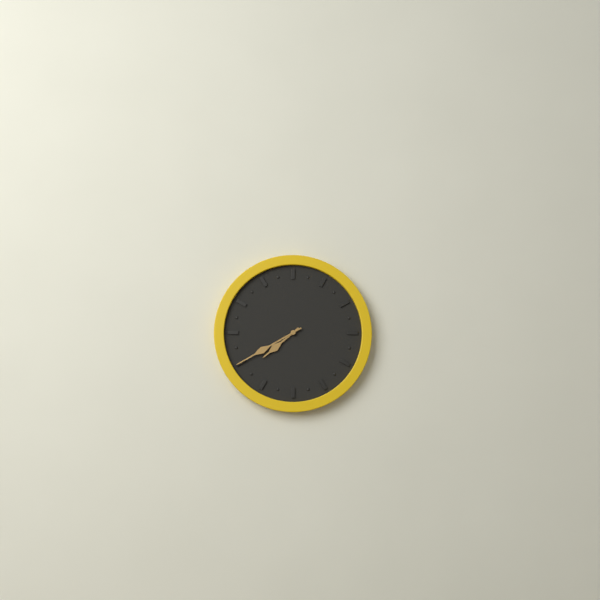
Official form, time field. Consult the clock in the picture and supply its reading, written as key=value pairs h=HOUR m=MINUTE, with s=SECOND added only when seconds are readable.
h=7 m=40
